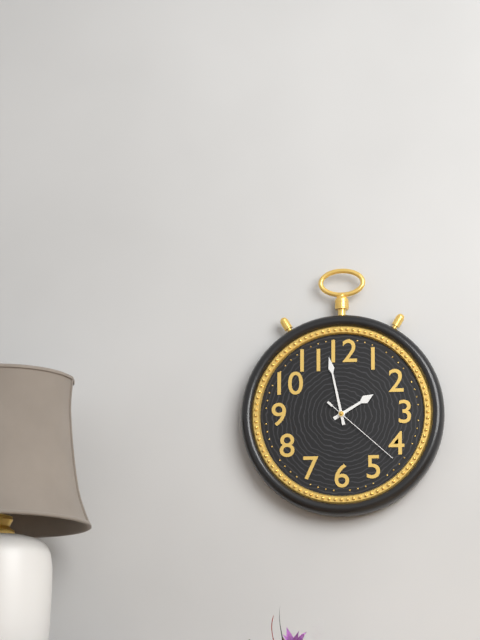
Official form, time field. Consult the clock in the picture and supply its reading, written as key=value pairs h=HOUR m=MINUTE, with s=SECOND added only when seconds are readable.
h=1 m=58 s=22
